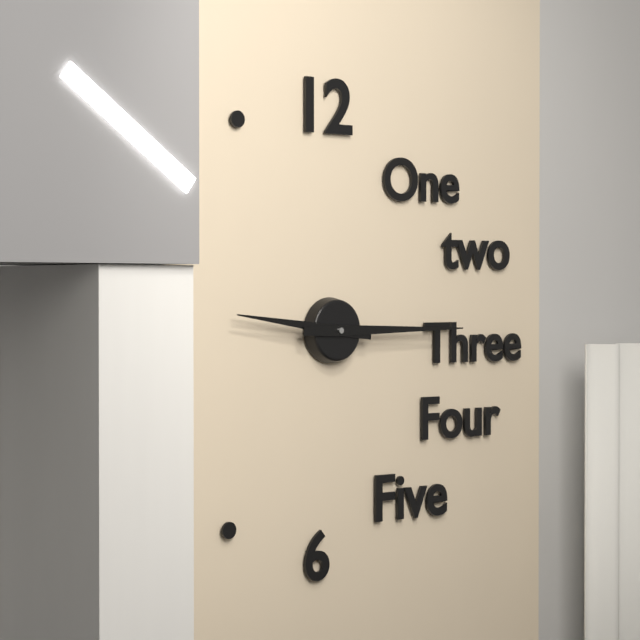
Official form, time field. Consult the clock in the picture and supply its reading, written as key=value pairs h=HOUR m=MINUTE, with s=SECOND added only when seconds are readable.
h=9 m=15
